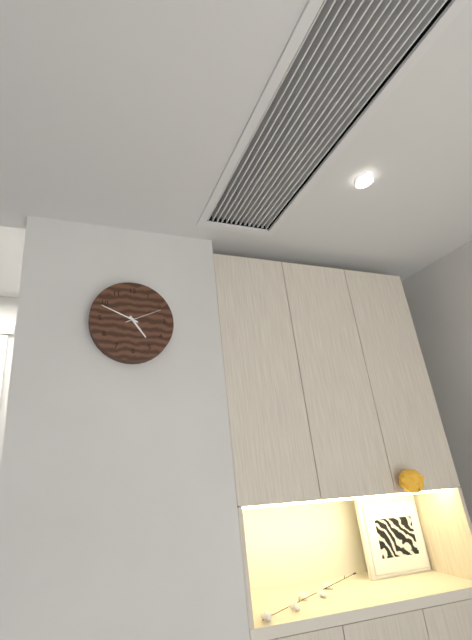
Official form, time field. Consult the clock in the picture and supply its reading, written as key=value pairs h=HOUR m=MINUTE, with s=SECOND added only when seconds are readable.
h=4 m=49
